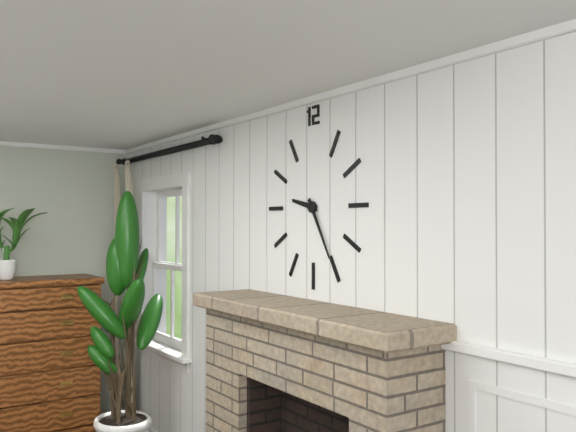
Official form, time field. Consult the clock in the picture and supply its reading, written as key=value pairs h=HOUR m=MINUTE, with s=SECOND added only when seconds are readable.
h=9 m=25
